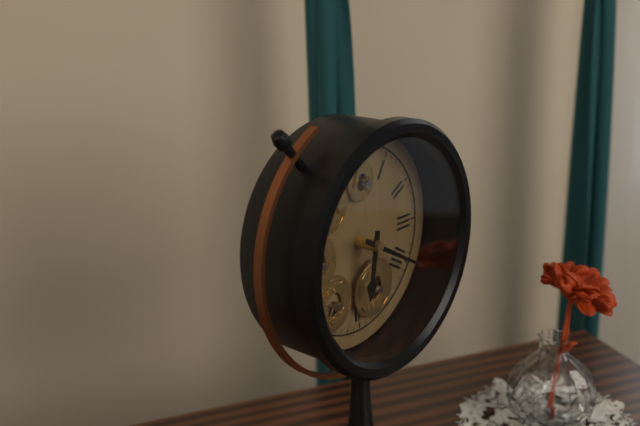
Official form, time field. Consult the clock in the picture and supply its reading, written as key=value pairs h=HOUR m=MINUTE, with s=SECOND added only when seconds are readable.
h=6 m=20
